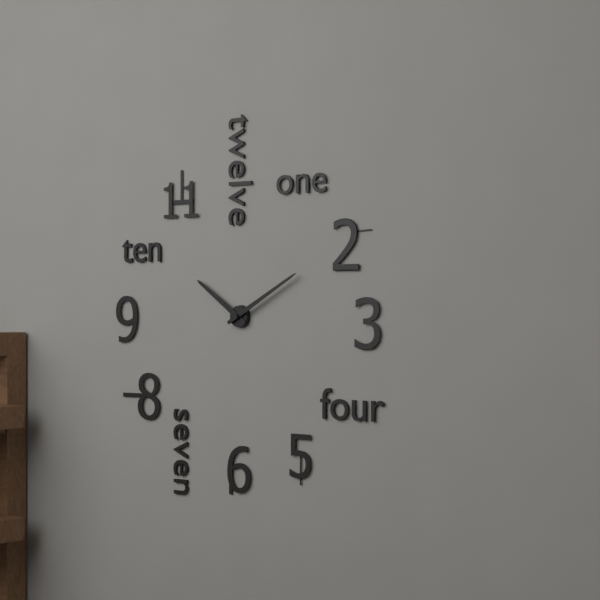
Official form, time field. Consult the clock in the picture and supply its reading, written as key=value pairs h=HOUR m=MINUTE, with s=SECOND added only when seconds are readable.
h=10 m=10
